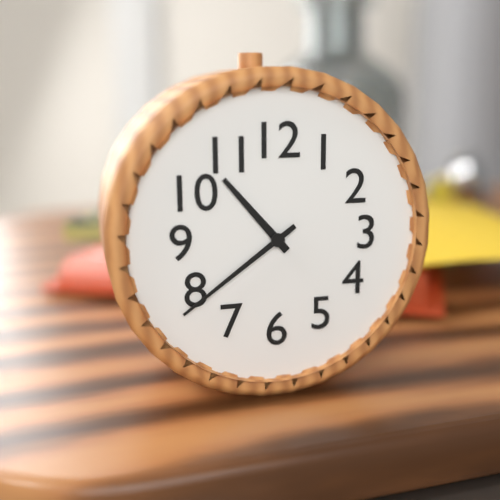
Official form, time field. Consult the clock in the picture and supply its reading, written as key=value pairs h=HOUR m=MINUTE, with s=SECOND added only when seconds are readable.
h=10 m=39
